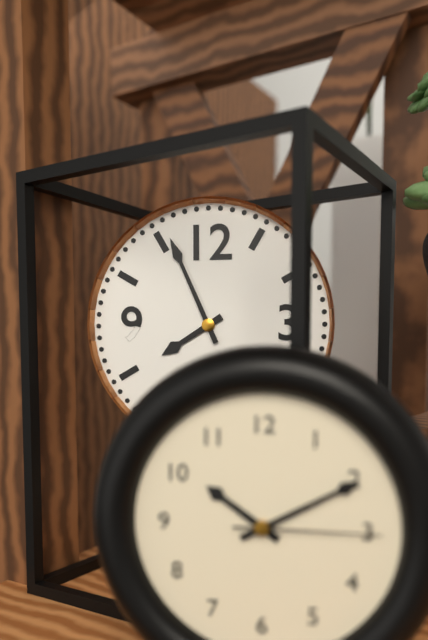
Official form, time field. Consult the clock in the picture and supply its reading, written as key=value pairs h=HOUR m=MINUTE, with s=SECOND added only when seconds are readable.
h=7 m=56
